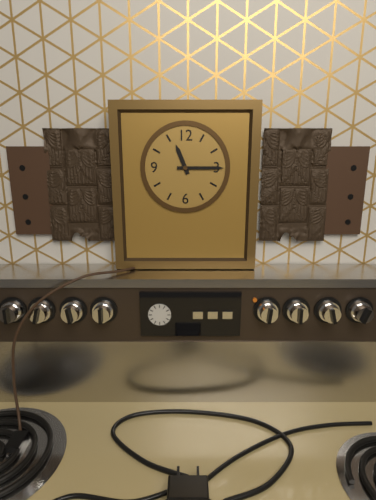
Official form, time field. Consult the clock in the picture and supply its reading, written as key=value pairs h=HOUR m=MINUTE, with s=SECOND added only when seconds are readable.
h=11 m=15
